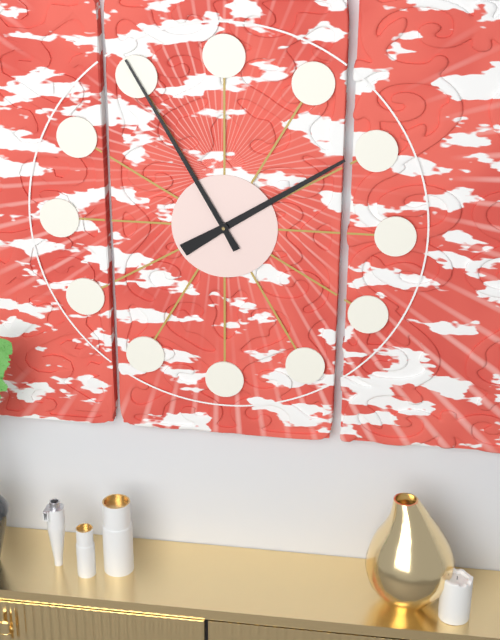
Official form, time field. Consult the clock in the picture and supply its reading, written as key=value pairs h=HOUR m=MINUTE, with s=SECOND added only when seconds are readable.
h=1 m=55
